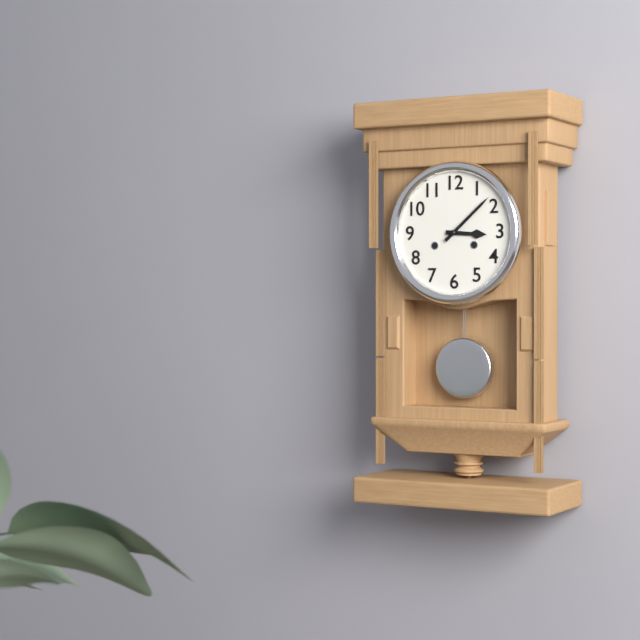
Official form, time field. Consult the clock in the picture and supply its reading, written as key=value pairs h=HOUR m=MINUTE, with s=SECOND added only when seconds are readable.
h=3 m=8
